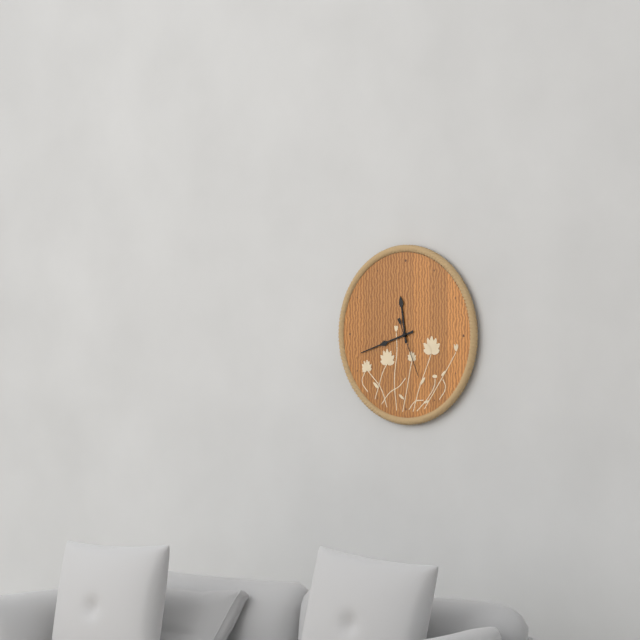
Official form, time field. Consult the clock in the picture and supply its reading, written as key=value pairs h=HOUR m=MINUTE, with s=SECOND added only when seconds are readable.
h=11 m=42 s=26
